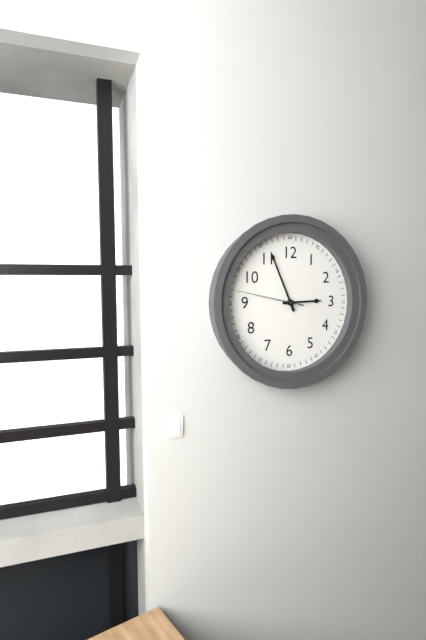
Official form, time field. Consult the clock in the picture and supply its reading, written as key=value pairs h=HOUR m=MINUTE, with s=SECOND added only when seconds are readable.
h=2 m=56 s=47
